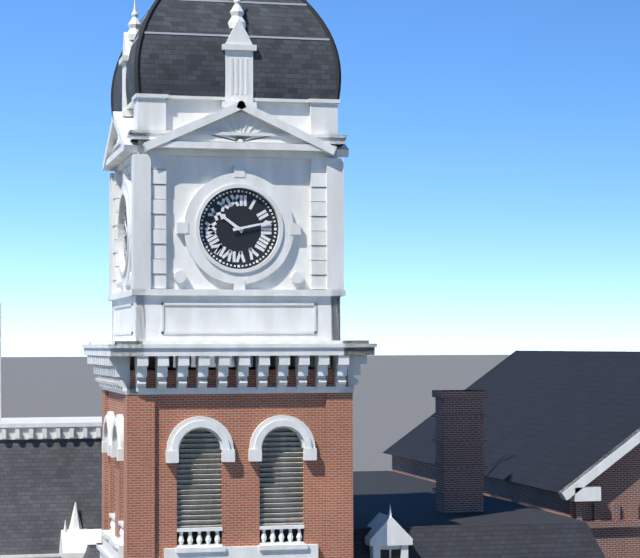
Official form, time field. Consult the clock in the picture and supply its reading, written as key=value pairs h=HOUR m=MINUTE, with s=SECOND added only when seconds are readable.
h=10 m=13
